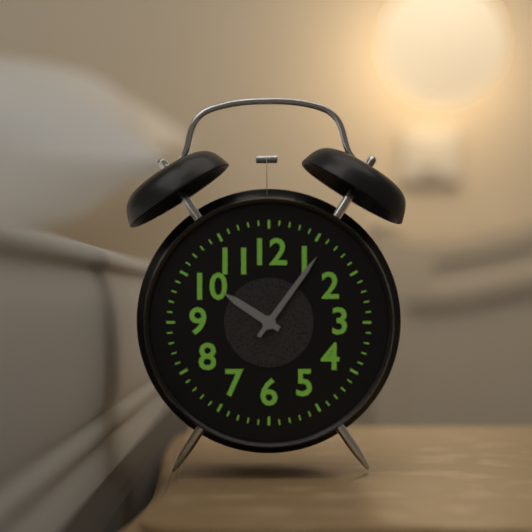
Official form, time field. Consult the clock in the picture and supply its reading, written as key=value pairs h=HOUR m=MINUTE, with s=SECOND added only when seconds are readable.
h=10 m=6
